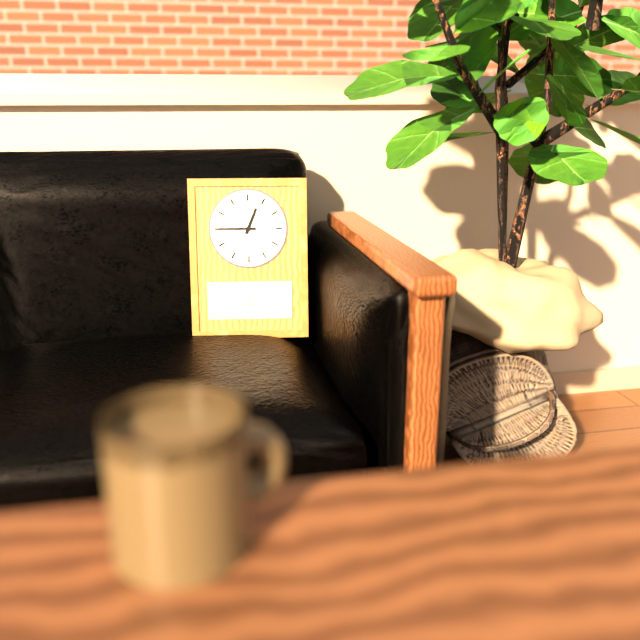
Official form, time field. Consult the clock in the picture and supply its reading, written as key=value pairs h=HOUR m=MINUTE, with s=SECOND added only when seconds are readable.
h=12 m=45
